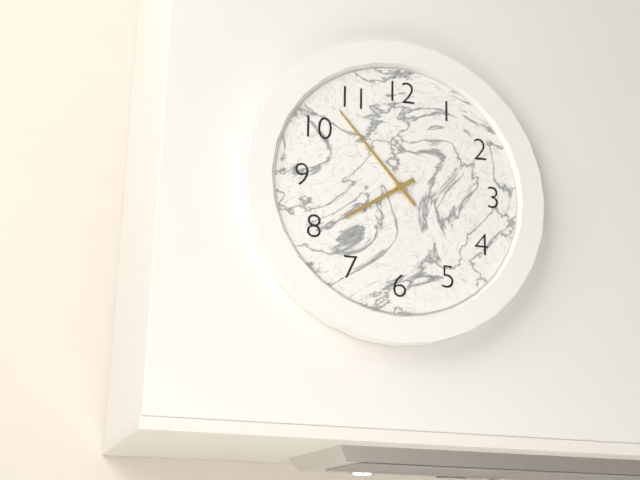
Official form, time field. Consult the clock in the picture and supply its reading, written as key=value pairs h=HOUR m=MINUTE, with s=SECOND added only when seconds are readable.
h=7 m=53
